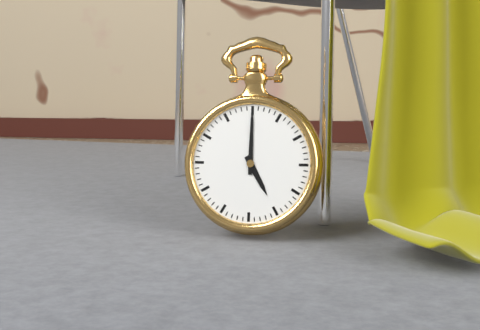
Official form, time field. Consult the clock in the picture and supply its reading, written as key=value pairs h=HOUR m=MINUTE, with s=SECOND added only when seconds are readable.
h=5 m=0
